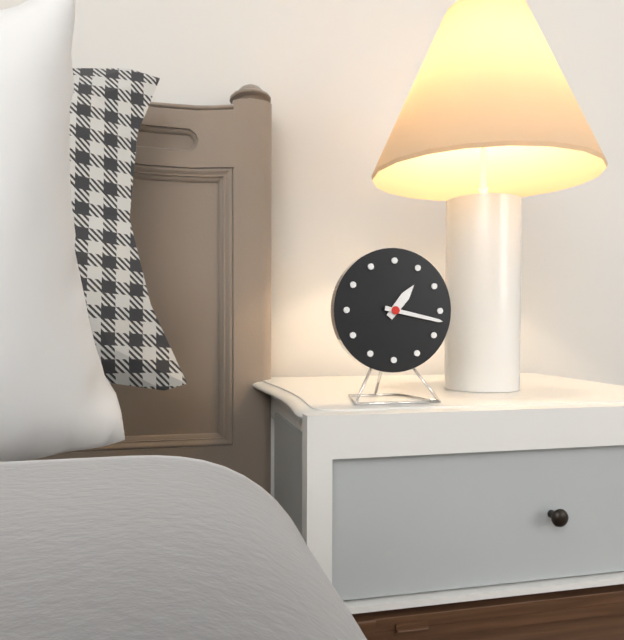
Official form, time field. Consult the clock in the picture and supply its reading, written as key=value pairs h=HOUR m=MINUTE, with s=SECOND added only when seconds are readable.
h=1 m=17
